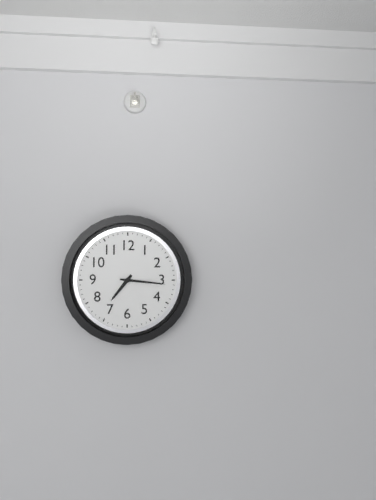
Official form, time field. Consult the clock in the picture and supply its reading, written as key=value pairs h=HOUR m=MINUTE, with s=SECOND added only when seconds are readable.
h=7 m=16
